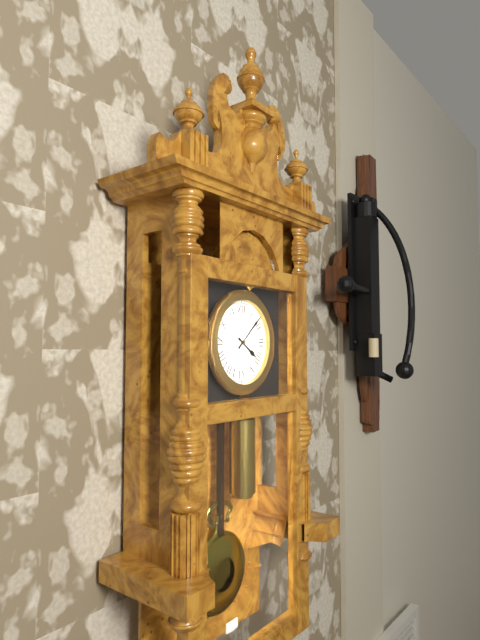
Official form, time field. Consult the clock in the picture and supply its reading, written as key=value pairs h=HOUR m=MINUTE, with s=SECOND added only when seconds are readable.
h=4 m=8
